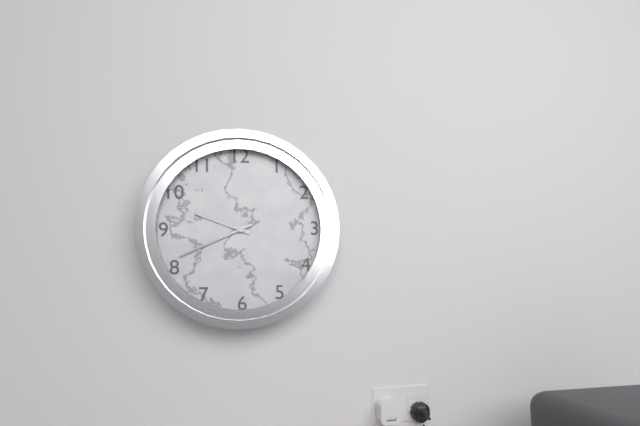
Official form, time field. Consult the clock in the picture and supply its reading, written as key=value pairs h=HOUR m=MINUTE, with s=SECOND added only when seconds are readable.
h=9 m=41
